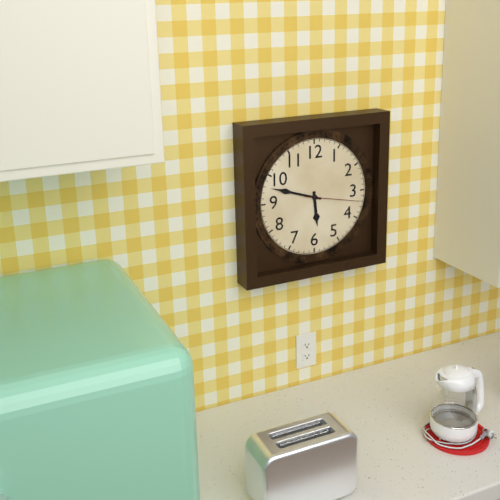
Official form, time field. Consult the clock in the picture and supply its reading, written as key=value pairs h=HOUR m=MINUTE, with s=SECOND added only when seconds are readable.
h=5 m=48 s=17
